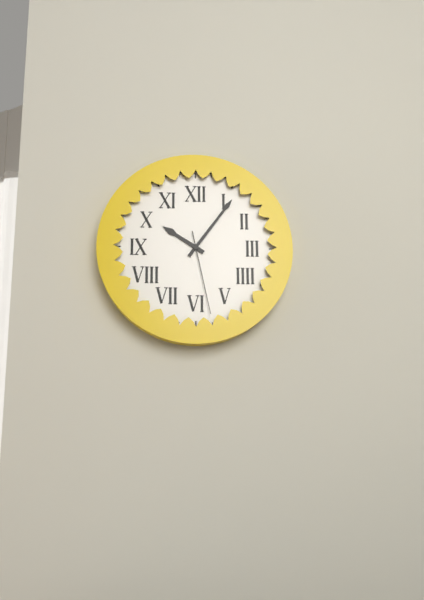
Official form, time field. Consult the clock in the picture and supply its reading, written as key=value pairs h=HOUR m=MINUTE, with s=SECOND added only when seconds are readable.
h=10 m=6 s=28
